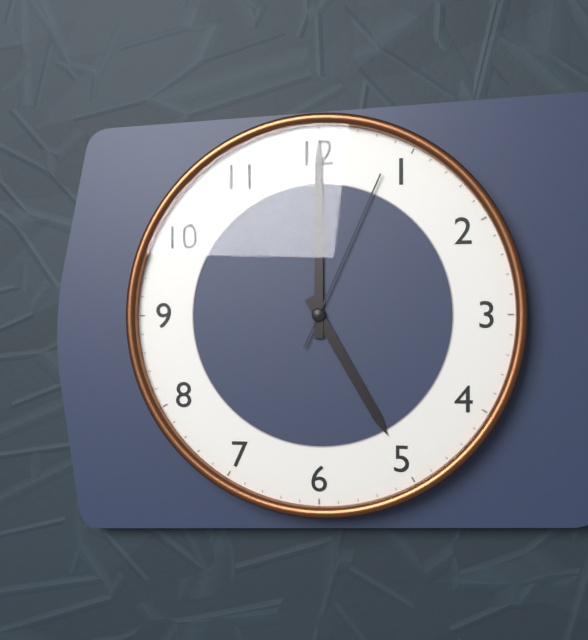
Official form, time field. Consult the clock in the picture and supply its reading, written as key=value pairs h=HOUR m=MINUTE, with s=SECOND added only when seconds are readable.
h=5 m=0 s=4
